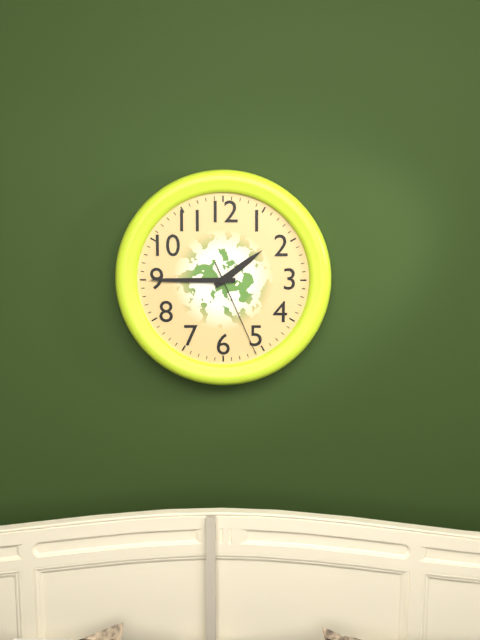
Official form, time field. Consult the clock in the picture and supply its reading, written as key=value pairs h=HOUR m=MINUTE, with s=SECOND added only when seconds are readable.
h=1 m=45 s=26
